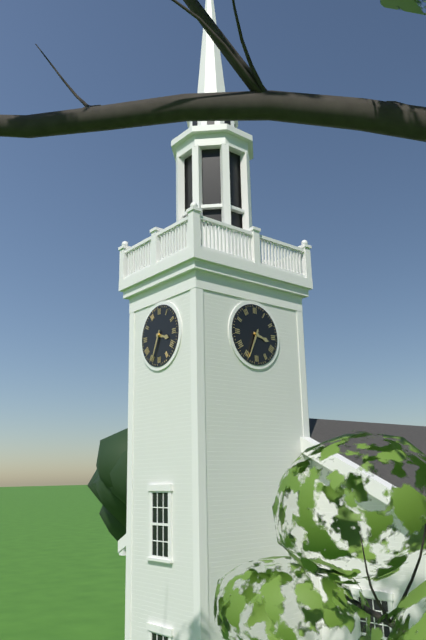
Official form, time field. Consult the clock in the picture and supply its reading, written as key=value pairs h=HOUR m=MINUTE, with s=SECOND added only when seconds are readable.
h=3 m=34
